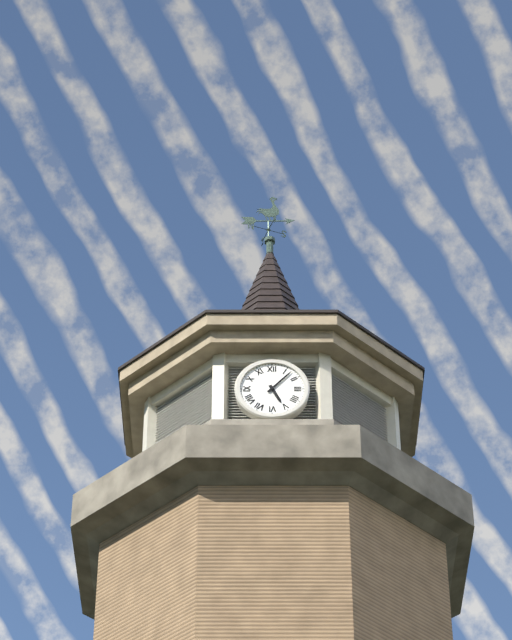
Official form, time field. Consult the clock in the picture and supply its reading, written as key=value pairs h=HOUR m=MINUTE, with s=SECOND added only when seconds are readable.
h=5 m=7
